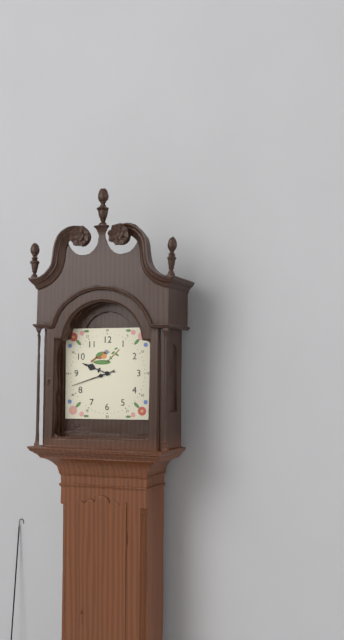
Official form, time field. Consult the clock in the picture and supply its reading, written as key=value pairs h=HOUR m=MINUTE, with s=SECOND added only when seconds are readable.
h=9 m=42
